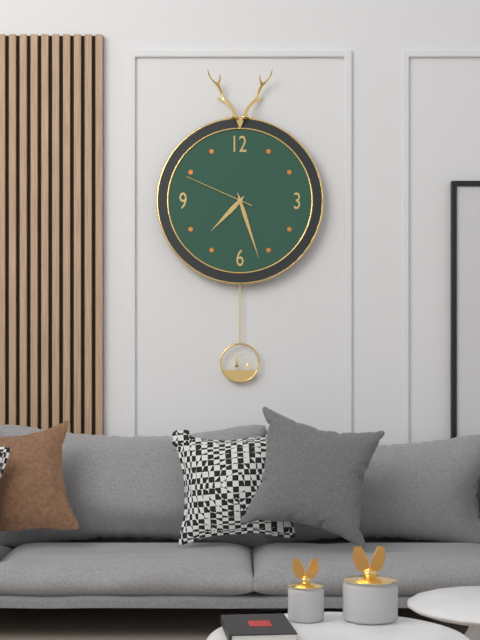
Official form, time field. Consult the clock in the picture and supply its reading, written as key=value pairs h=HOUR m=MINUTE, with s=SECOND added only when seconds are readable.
h=7 m=27 s=49
